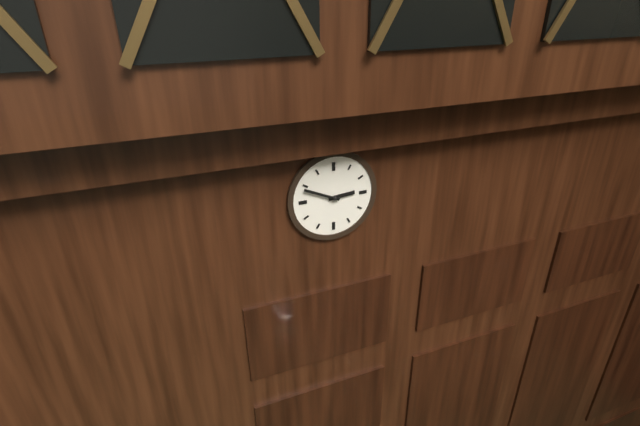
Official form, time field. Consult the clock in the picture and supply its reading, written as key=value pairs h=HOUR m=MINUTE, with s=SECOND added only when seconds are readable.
h=2 m=49
